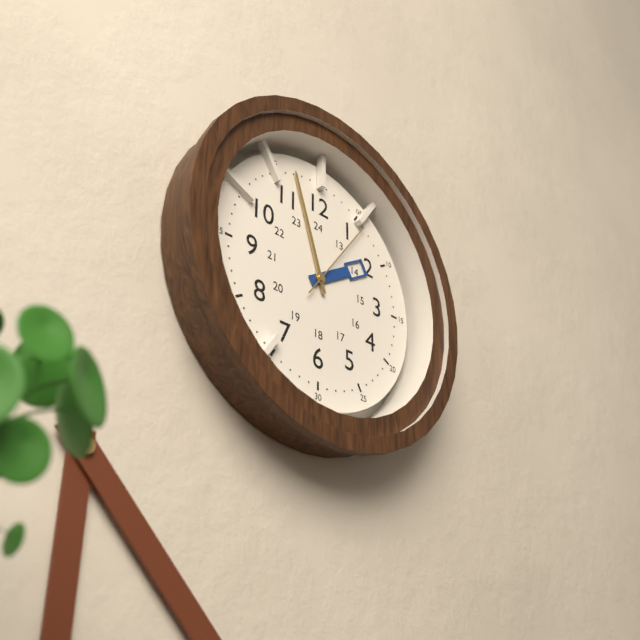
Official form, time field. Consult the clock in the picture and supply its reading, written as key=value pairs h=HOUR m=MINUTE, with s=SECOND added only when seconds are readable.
h=1 m=57 s=6
